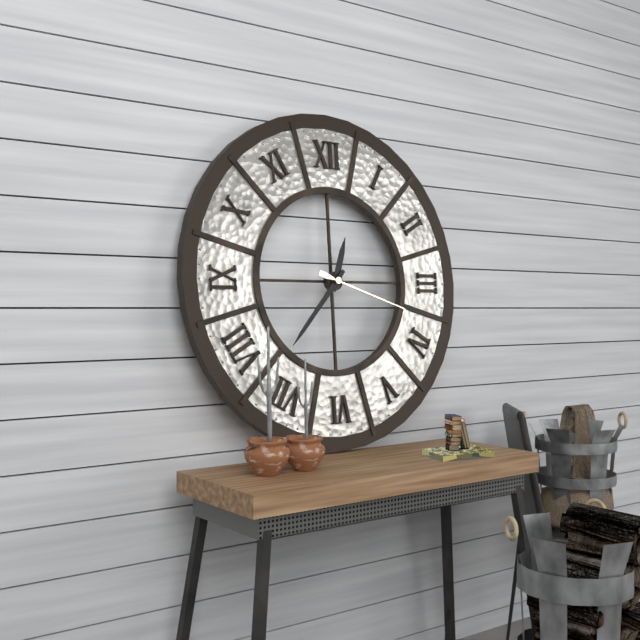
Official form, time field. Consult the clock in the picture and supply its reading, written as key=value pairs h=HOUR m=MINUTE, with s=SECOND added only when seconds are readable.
h=12 m=37 s=18
